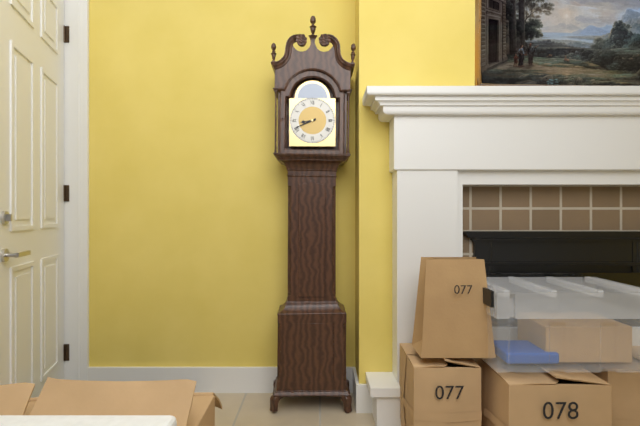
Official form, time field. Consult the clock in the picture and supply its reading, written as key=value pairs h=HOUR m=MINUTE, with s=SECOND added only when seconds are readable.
h=8 m=41
